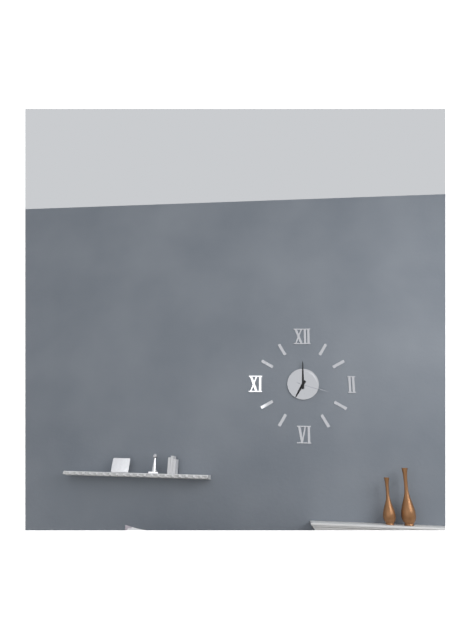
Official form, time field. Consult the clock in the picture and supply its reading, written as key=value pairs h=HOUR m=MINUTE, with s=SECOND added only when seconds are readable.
h=7 m=0
